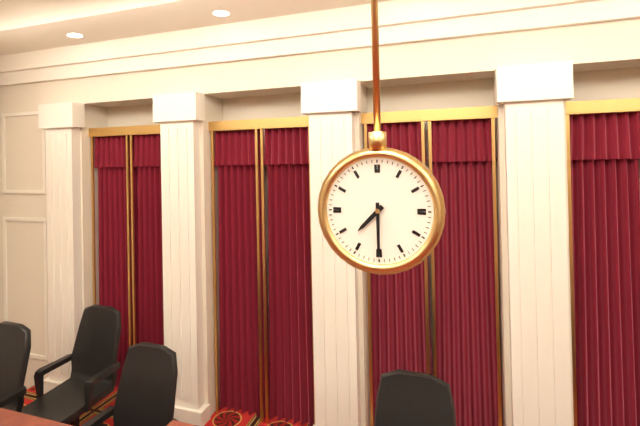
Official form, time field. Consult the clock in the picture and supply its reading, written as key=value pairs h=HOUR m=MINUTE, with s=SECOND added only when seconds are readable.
h=7 m=30
